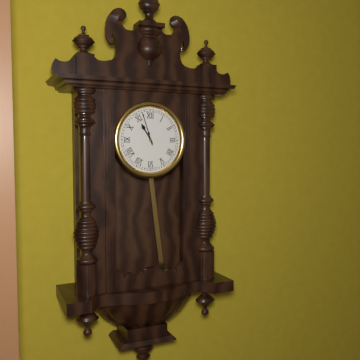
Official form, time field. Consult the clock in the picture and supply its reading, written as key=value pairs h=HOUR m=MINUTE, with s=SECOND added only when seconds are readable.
h=10 m=57
